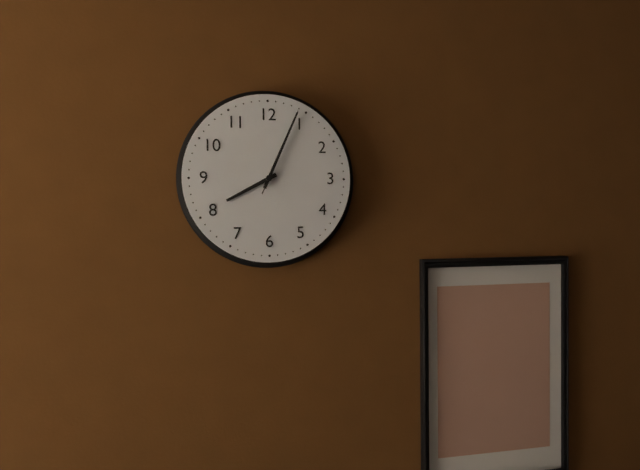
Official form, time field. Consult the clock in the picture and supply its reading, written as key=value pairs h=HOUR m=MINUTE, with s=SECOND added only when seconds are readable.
h=8 m=4 s=4
